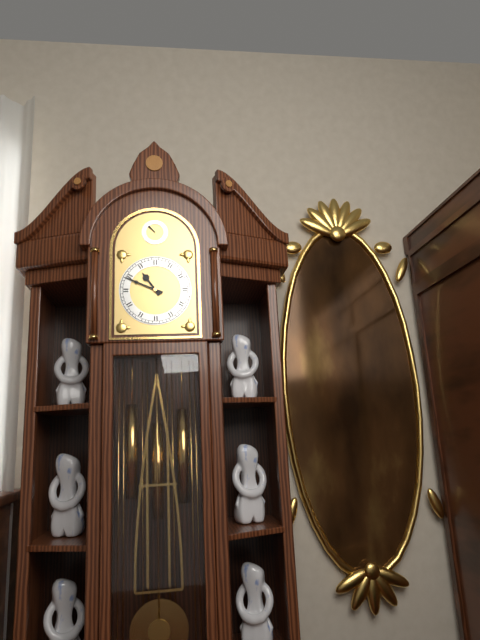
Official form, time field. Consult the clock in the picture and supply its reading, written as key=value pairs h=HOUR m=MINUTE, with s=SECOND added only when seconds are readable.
h=10 m=49
